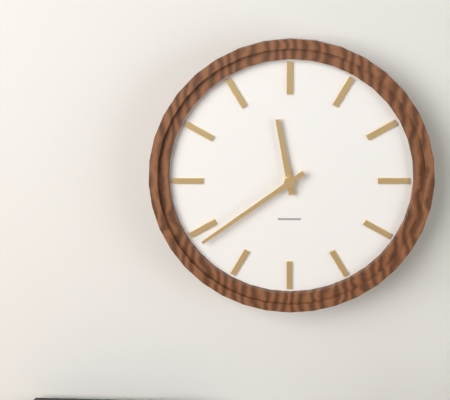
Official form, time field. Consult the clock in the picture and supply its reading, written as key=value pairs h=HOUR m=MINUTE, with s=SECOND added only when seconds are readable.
h=11 m=39
